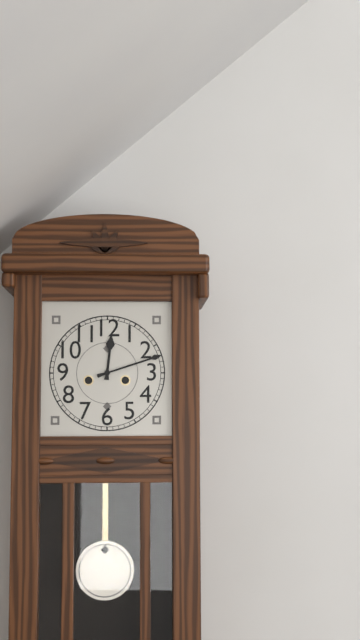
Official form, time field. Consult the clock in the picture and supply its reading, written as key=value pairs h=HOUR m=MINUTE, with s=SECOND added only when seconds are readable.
h=12 m=12
